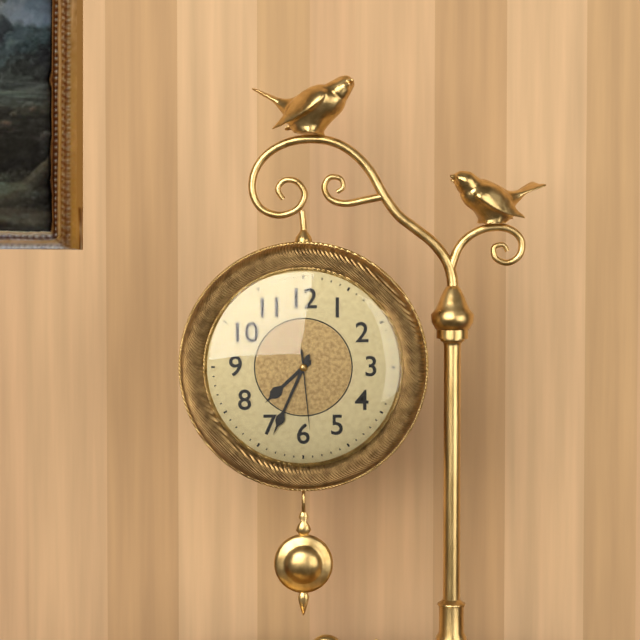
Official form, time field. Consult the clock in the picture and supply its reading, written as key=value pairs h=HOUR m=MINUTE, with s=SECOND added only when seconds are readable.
h=7 m=34 s=29
